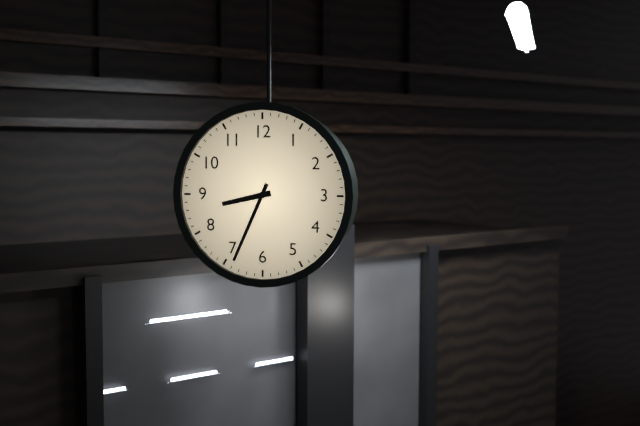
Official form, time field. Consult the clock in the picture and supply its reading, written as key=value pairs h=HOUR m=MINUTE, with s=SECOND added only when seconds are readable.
h=8 m=34
